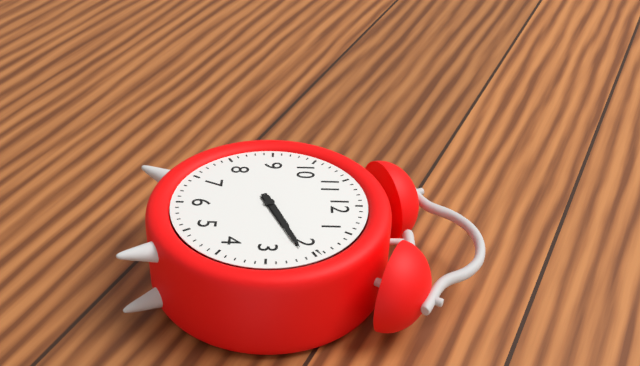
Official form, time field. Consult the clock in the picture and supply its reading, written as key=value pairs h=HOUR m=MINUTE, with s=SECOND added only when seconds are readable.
h=2 m=11
